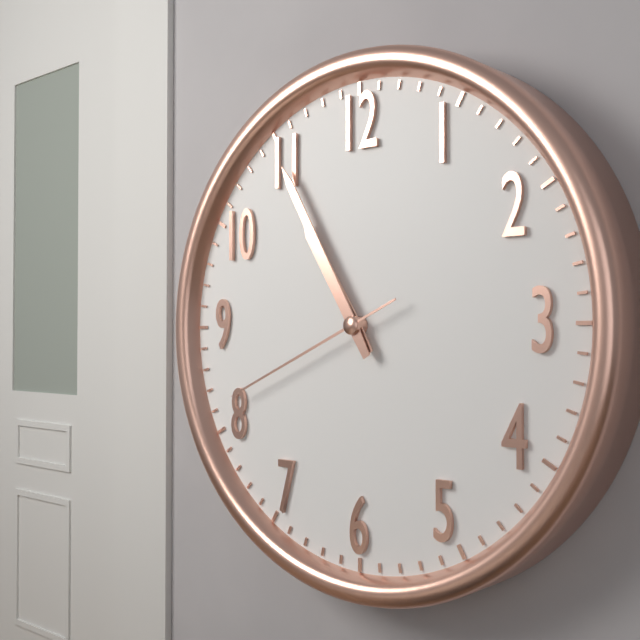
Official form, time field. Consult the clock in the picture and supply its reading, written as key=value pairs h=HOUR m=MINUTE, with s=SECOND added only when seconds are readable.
h=10 m=55 s=41
